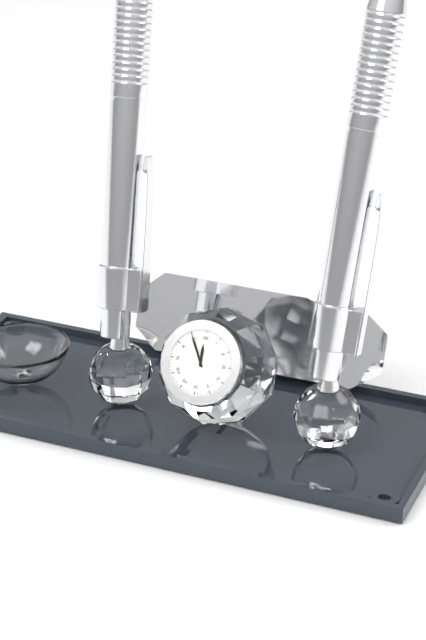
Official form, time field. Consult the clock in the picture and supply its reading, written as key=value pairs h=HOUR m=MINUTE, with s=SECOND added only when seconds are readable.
h=11 m=55
